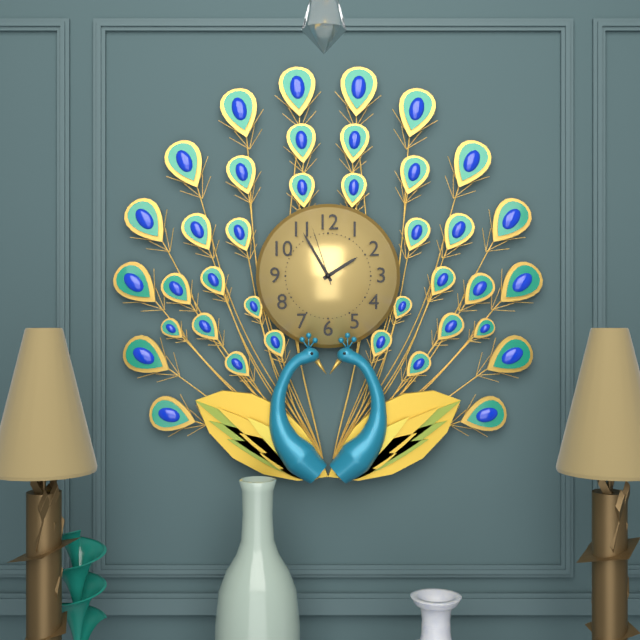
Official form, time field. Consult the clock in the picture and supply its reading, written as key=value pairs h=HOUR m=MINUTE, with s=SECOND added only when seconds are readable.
h=1 m=55 s=57
